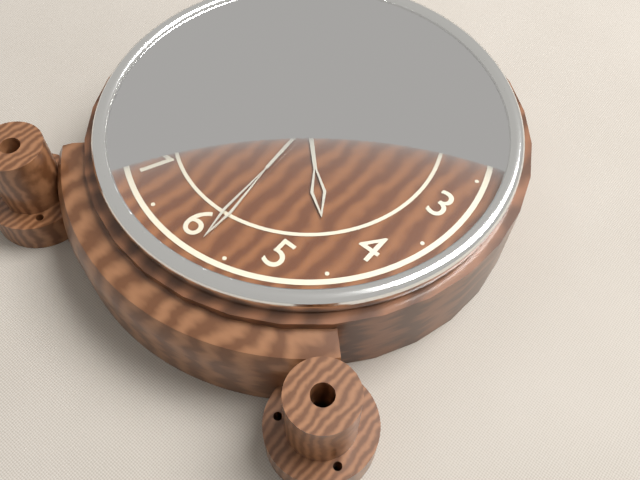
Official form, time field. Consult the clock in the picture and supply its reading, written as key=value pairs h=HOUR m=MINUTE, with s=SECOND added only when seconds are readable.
h=4 m=29
